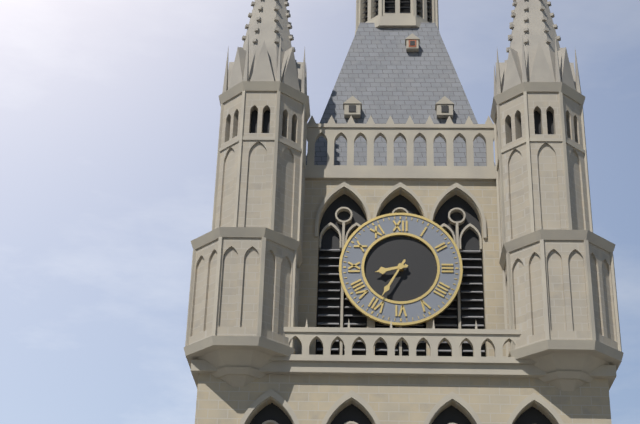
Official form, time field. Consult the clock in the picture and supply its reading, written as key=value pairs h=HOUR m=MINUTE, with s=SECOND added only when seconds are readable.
h=8 m=35
